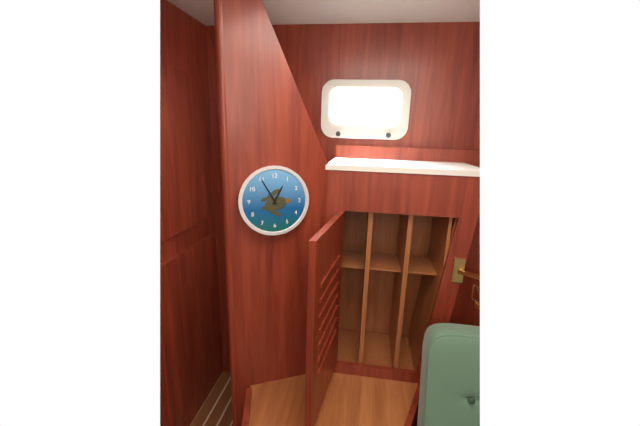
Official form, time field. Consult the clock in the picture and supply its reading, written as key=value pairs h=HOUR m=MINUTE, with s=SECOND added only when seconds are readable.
h=12 m=55
